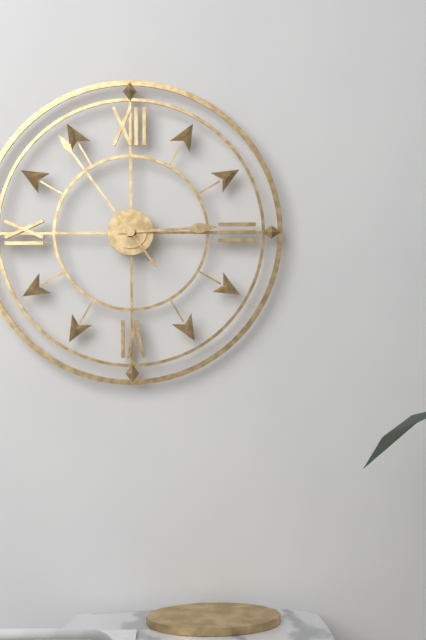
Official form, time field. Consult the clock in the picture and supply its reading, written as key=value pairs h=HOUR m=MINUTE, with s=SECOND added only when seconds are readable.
h=2 m=54
